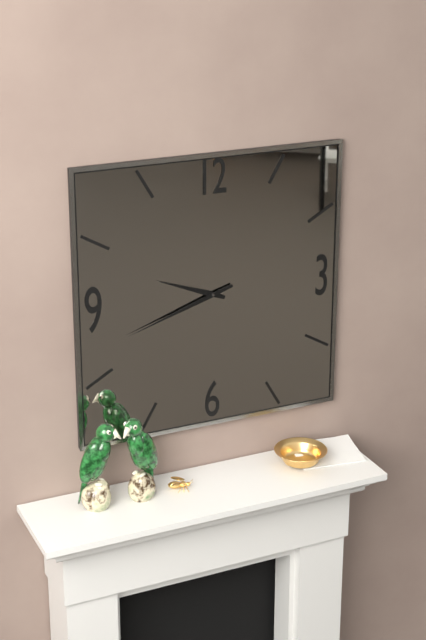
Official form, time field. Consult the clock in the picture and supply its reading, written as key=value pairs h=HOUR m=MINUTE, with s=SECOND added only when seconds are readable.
h=9 m=42
